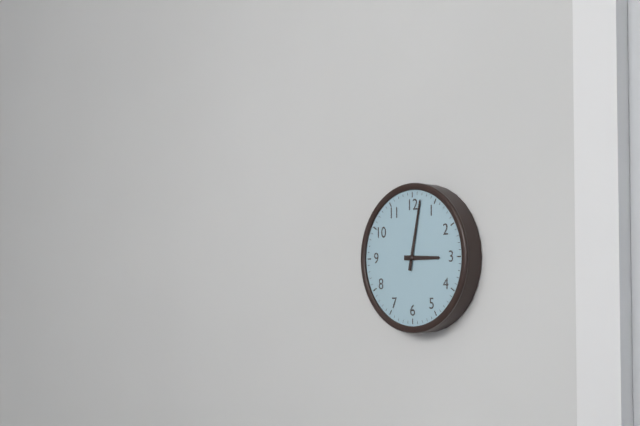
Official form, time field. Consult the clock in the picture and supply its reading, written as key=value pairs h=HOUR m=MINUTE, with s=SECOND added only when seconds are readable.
h=3 m=2
